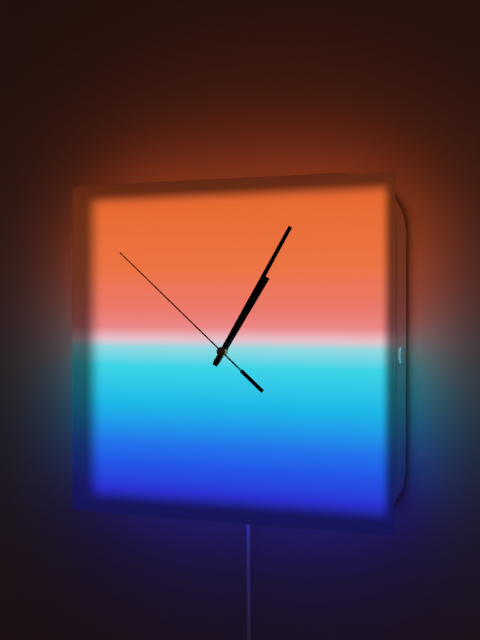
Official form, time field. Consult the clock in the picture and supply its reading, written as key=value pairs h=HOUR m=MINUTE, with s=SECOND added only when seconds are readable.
h=1 m=5 s=52
